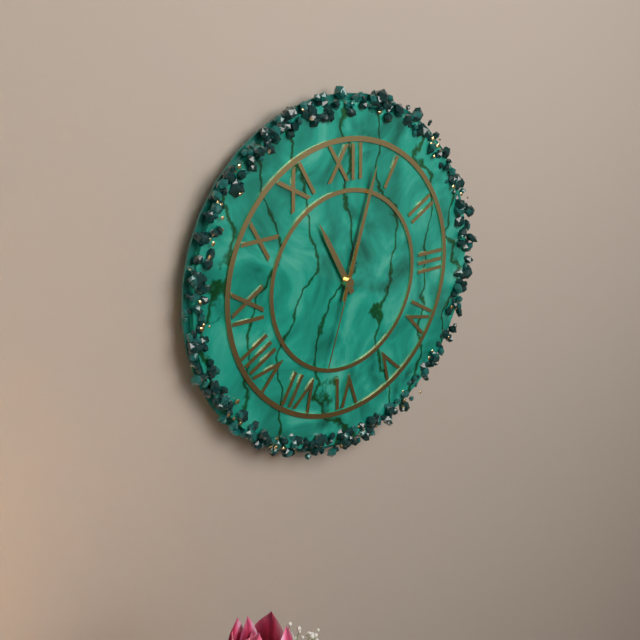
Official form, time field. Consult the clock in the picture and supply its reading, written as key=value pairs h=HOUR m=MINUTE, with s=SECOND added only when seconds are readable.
h=11 m=3 s=33
